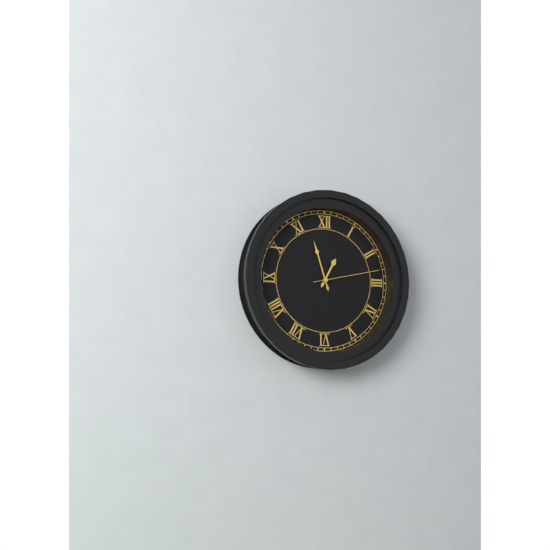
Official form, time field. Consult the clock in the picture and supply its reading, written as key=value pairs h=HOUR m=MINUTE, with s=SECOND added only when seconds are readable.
h=12 m=57 s=13
